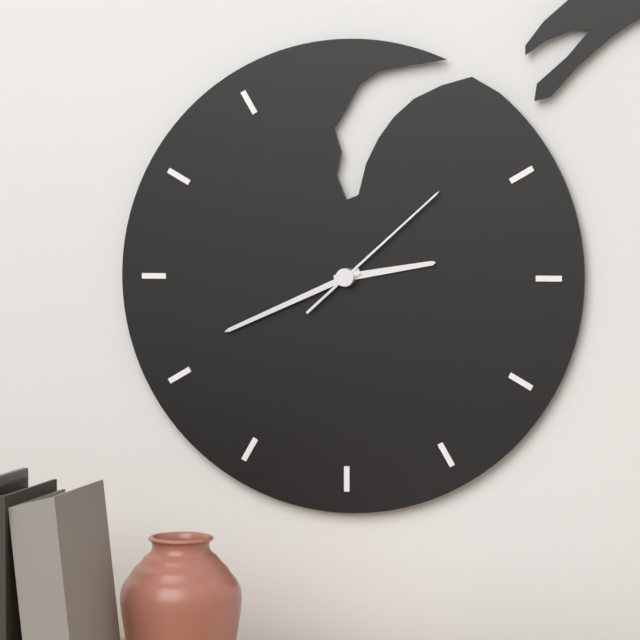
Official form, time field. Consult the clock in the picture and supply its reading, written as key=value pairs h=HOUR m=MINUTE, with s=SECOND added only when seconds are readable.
h=2 m=41 s=8
